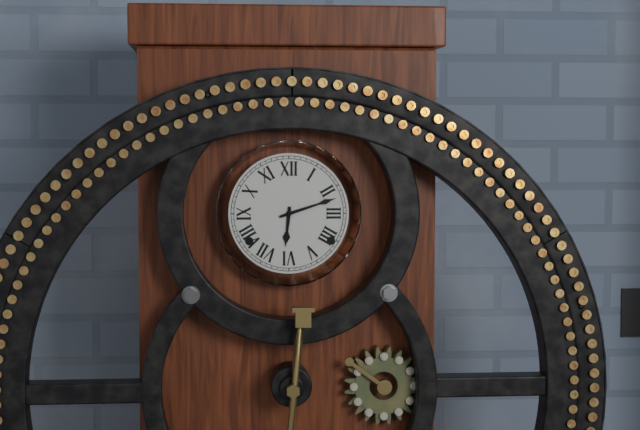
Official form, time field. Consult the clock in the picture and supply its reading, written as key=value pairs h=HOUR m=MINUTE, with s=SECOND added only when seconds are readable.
h=6 m=12
